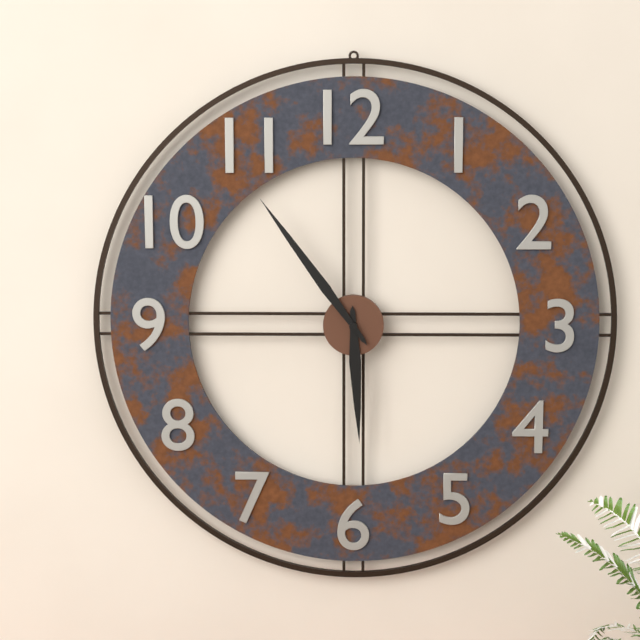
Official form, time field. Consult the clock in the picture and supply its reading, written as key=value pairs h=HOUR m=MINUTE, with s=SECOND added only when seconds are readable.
h=5 m=54
